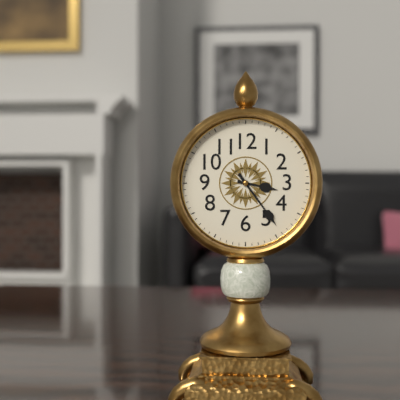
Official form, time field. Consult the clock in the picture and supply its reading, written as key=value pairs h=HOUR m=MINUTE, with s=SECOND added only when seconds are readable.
h=3 m=24
